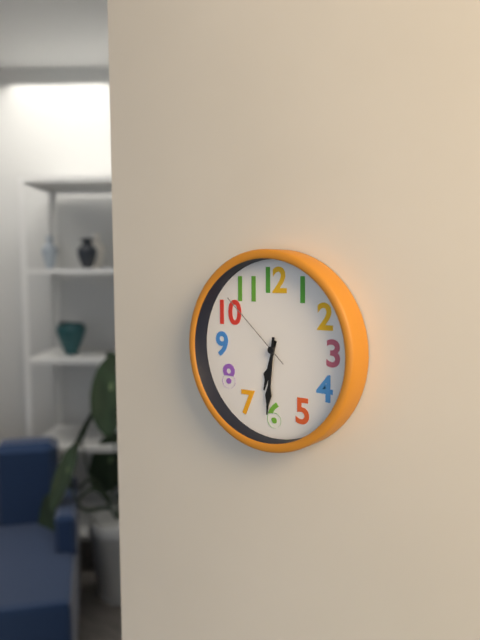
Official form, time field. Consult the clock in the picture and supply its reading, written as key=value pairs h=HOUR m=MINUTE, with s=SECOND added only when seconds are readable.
h=6 m=31 s=52
